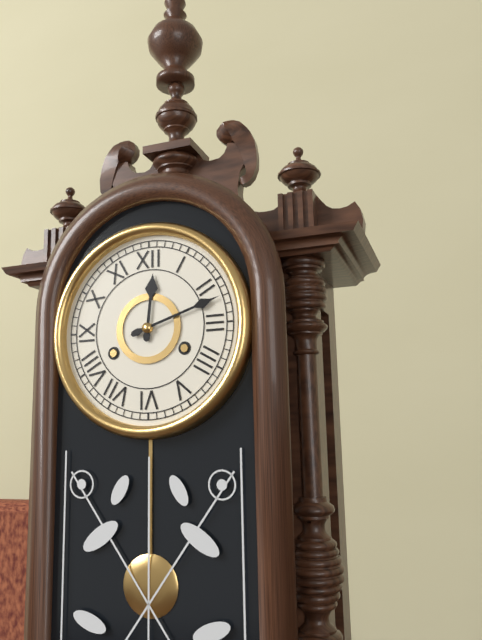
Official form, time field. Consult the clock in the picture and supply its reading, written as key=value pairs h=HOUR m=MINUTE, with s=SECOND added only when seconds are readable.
h=12 m=12
